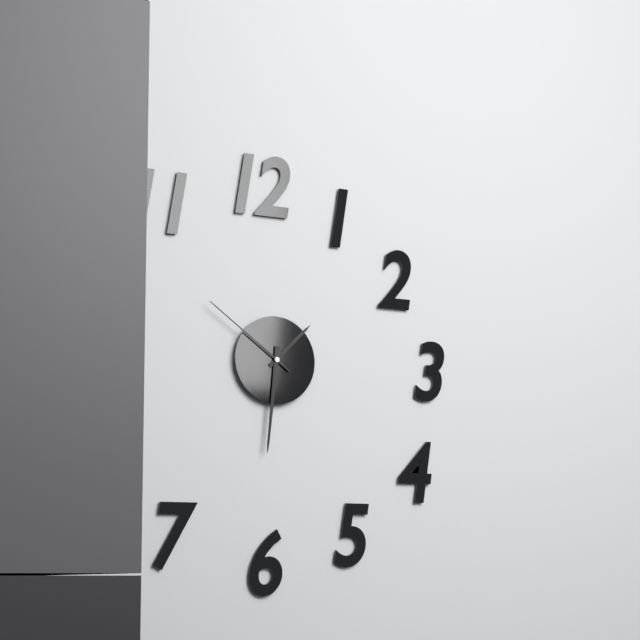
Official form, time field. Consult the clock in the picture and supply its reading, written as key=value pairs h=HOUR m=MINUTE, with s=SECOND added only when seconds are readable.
h=1 m=31 s=51
